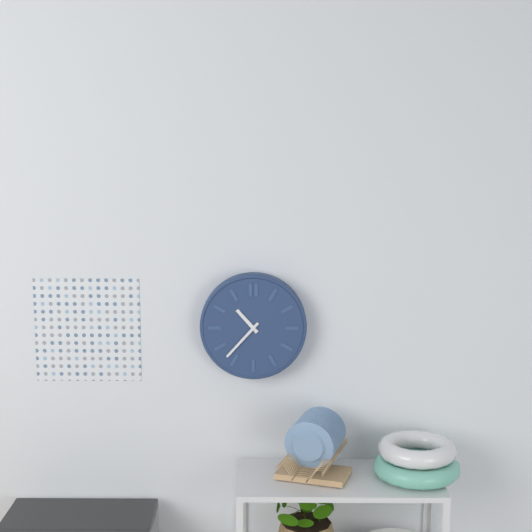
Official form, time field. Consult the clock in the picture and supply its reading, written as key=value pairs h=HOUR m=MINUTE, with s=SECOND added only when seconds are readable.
h=10 m=37
